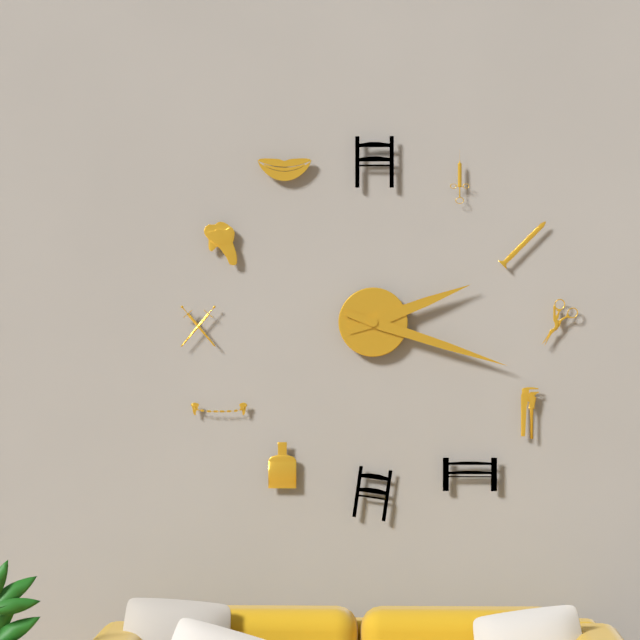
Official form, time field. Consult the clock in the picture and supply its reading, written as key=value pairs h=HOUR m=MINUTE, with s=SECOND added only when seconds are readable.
h=2 m=18
